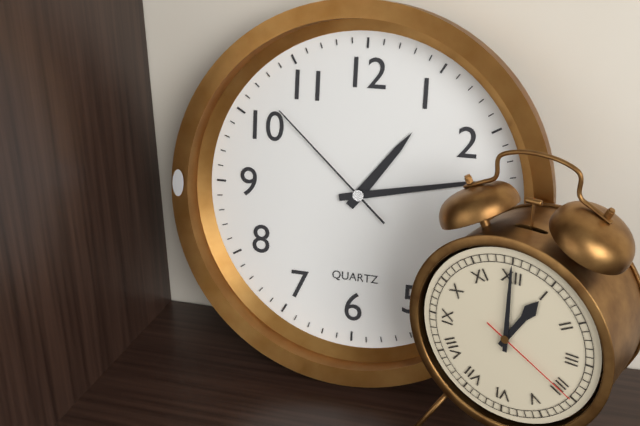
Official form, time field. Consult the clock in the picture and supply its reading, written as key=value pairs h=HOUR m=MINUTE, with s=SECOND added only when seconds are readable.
h=1 m=13 s=52
